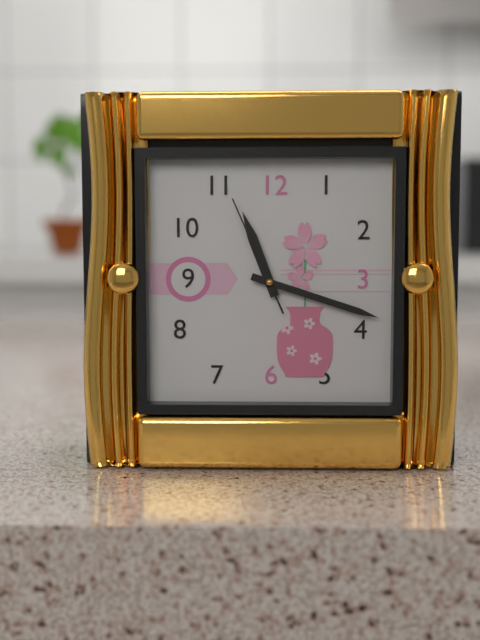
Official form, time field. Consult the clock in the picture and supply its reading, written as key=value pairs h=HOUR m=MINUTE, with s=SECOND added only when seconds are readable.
h=11 m=18 s=56
